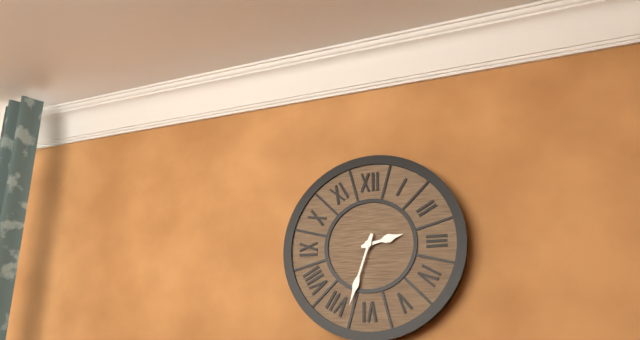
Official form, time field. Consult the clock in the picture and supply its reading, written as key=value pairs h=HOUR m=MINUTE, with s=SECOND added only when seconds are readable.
h=2 m=33
